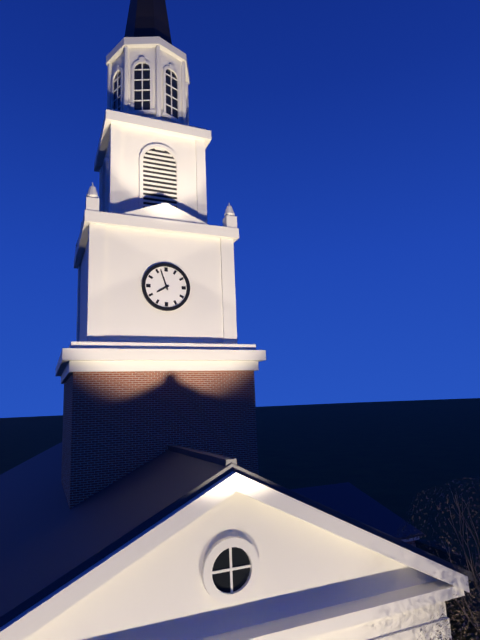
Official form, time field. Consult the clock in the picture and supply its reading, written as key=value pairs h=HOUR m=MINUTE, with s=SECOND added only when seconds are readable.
h=7 m=57
